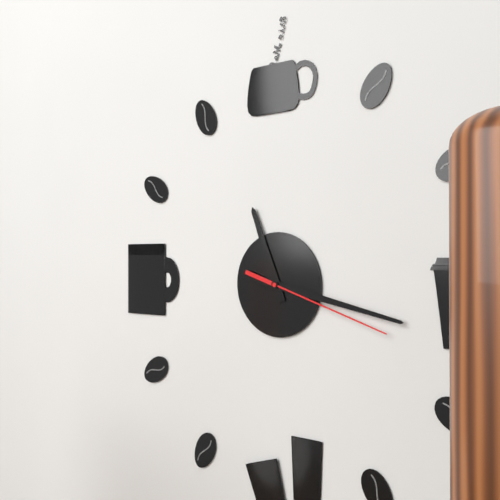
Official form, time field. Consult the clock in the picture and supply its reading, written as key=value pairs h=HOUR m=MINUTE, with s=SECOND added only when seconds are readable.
h=11 m=17 s=18
